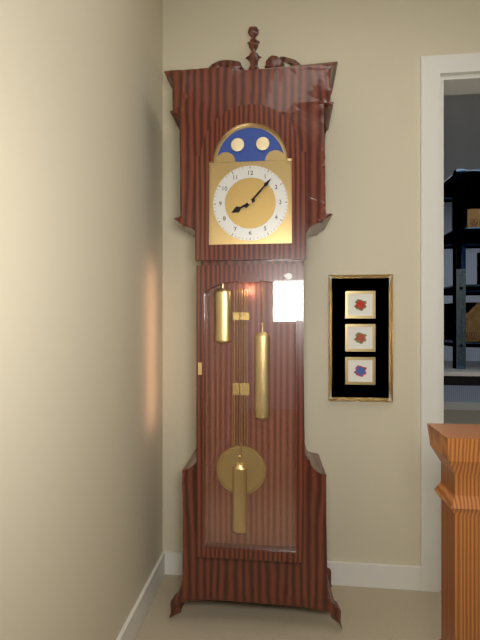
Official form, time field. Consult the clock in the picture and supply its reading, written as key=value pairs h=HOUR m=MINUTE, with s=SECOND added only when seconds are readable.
h=8 m=7
